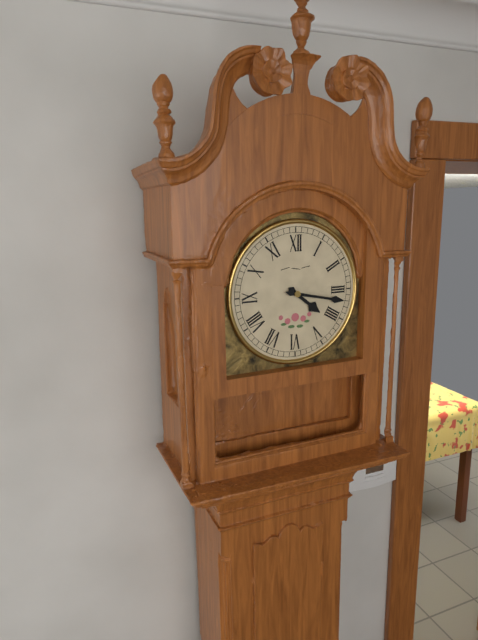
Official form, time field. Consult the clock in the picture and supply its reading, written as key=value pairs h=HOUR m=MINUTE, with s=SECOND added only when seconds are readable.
h=4 m=17
